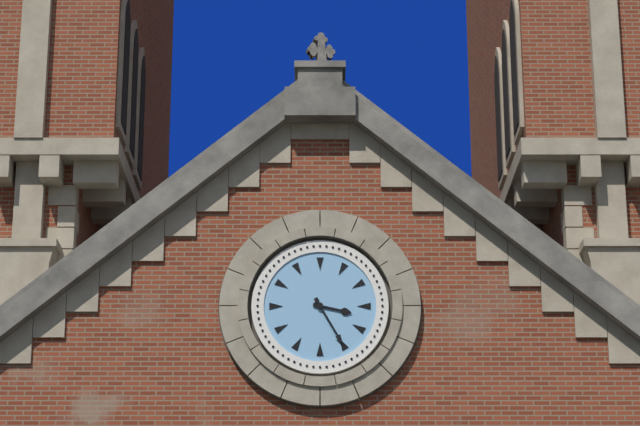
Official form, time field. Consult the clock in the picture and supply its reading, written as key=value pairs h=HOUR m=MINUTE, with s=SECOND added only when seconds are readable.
h=3 m=25
